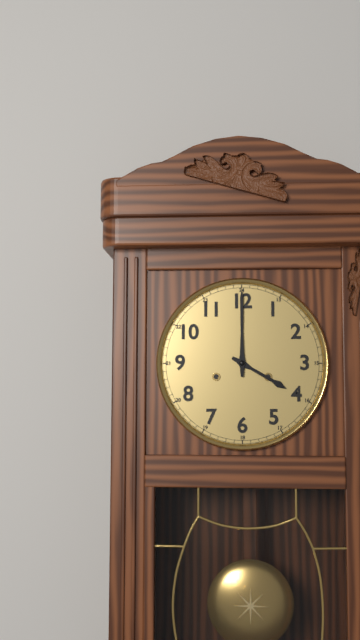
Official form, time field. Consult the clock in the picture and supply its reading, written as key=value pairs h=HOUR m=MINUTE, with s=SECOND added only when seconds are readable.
h=4 m=0
